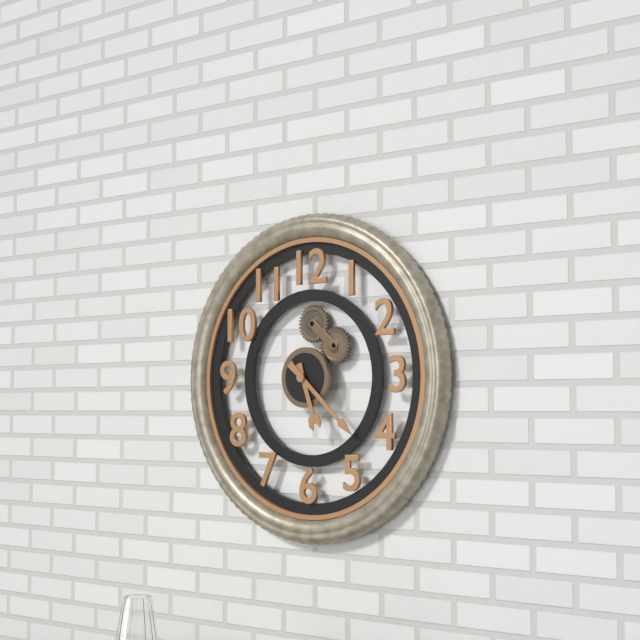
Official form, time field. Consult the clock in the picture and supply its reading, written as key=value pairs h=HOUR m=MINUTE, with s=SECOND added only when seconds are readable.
h=5 m=22
